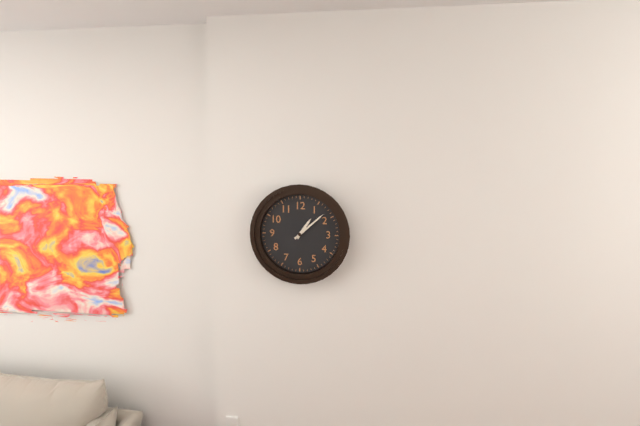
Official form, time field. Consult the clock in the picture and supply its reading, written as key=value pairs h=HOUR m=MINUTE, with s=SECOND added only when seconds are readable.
h=1 m=8
